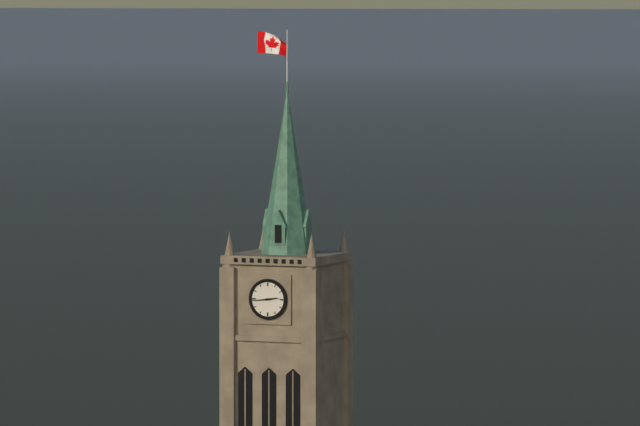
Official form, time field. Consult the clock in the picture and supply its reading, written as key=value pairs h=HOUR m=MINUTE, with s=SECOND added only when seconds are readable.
h=2 m=44
